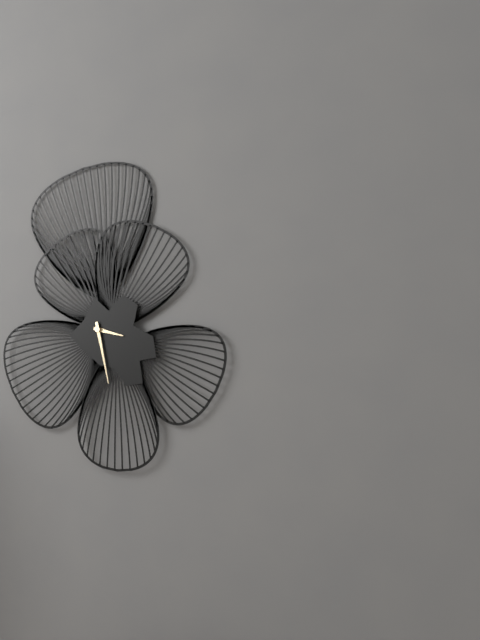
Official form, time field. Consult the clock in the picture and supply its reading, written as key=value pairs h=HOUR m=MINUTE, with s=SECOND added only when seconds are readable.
h=3 m=28
